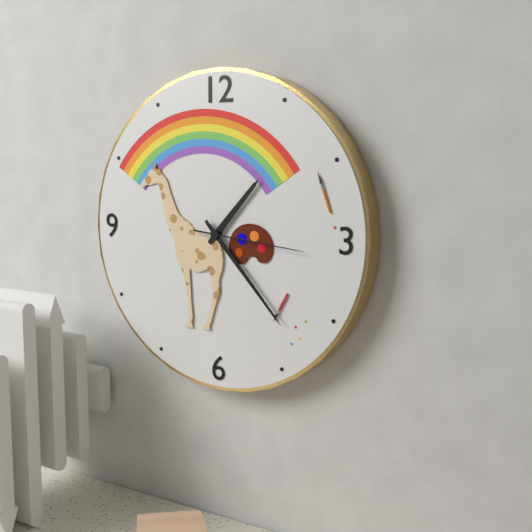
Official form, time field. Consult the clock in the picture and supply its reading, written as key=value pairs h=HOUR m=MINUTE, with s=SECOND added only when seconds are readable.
h=1 m=23 s=16
